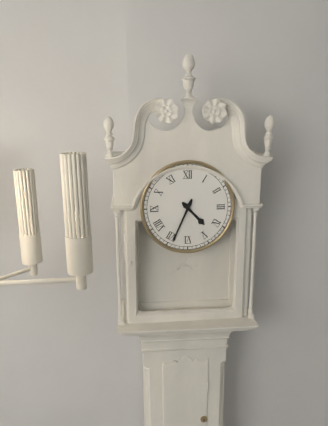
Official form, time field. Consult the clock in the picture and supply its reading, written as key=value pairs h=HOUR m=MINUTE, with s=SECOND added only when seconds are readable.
h=4 m=34
